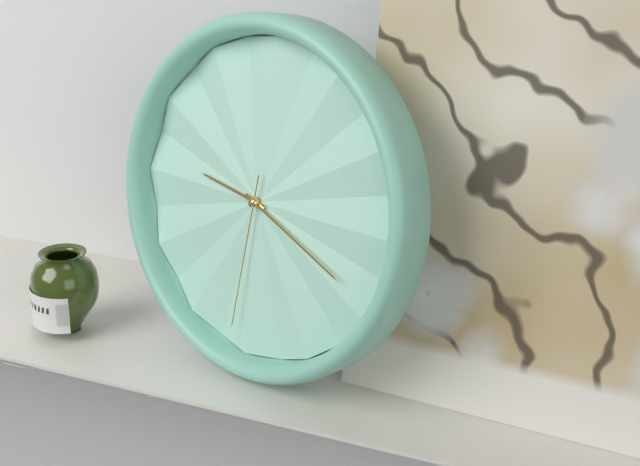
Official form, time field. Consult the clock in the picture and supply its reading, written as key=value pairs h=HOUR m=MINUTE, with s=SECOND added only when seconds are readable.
h=9 m=19 s=31
